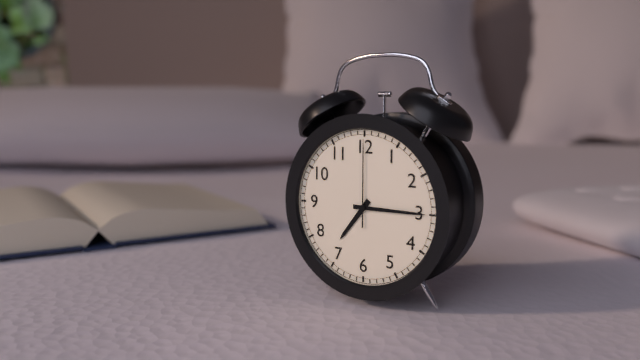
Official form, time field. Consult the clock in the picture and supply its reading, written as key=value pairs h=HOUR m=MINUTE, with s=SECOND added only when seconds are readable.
h=7 m=15 s=0
